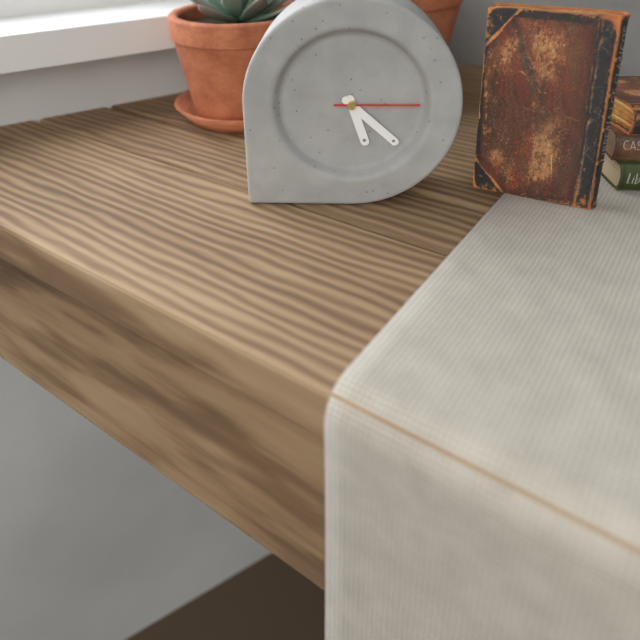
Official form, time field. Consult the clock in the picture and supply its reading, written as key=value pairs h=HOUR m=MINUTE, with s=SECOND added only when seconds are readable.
h=5 m=22 s=15
